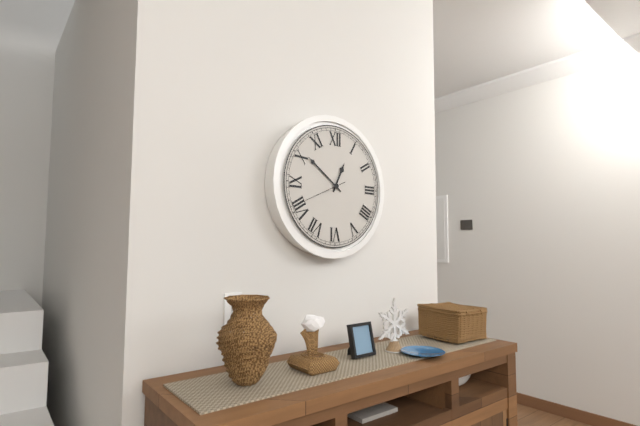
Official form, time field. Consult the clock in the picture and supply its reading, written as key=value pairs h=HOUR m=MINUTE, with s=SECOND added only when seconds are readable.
h=12 m=51
